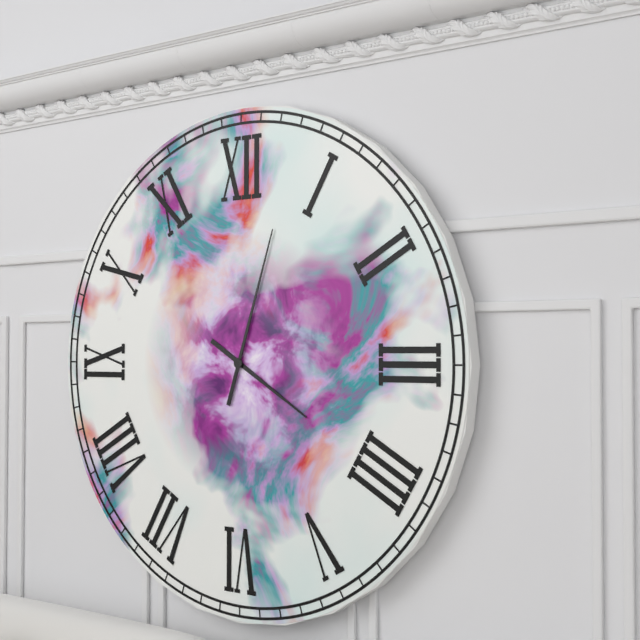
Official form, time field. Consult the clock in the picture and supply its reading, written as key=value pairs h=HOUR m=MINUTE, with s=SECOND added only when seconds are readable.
h=4 m=3
